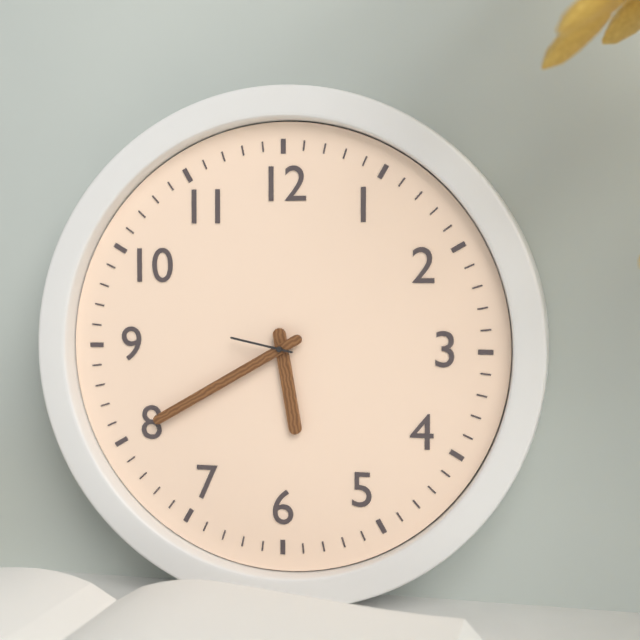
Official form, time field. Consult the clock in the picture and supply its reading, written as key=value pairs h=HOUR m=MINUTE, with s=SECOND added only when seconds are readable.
h=5 m=40 s=47
